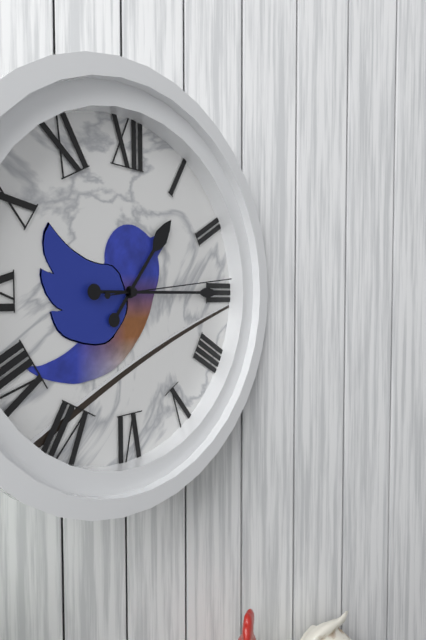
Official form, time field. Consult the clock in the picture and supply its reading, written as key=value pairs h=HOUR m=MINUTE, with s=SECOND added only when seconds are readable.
h=1 m=15 s=14
